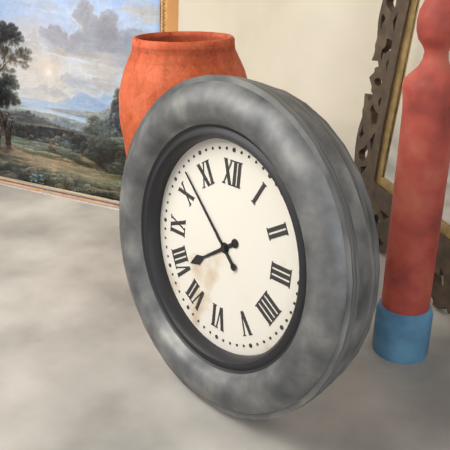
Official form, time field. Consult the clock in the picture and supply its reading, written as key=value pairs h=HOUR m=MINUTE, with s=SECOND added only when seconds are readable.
h=7 m=52
